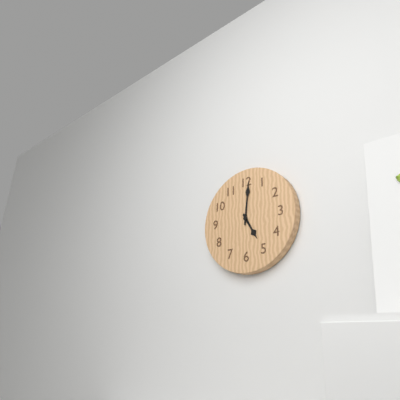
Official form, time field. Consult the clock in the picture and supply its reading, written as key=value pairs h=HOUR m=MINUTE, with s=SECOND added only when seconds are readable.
h=5 m=1
